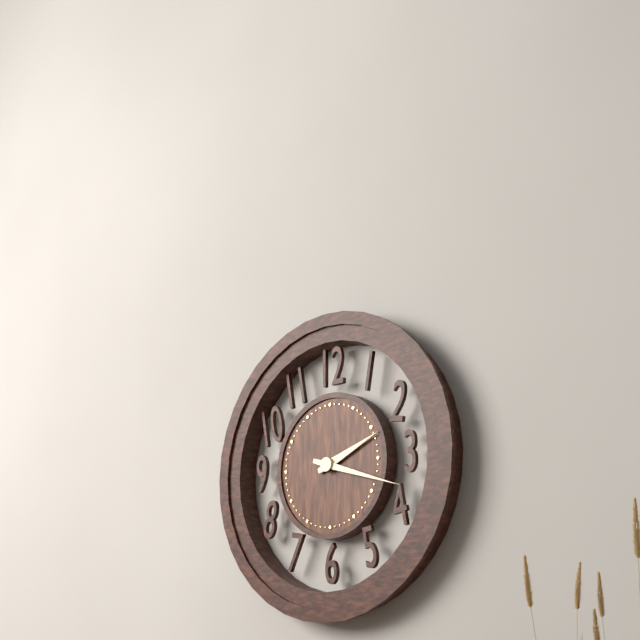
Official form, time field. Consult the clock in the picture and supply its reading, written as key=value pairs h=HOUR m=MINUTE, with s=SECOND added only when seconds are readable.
h=2 m=18
